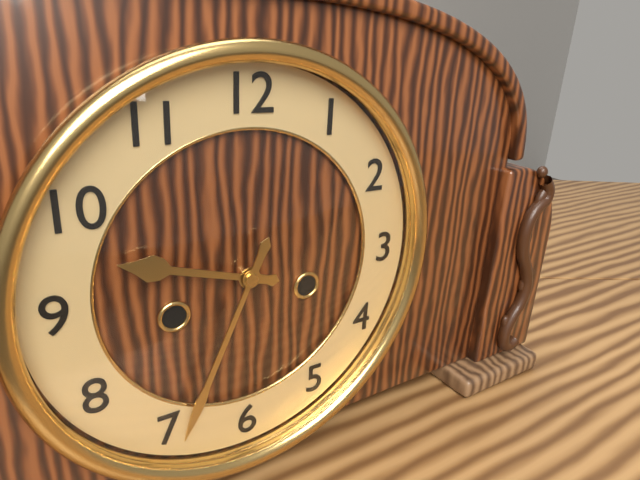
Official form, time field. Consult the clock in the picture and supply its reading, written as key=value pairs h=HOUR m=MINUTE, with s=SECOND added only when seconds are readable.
h=9 m=34
